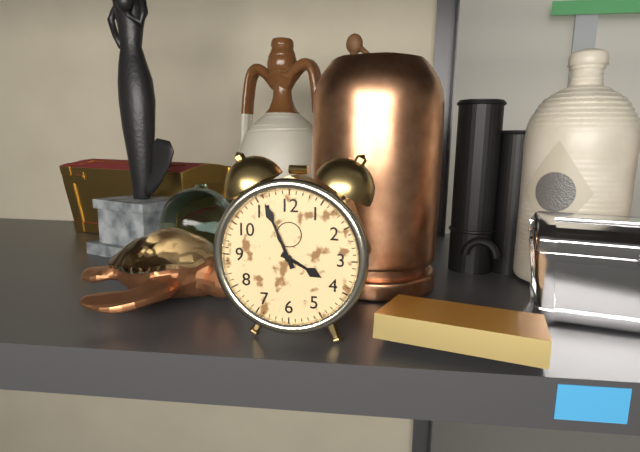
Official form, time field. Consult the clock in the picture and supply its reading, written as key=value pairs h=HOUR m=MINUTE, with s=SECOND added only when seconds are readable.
h=3 m=56
